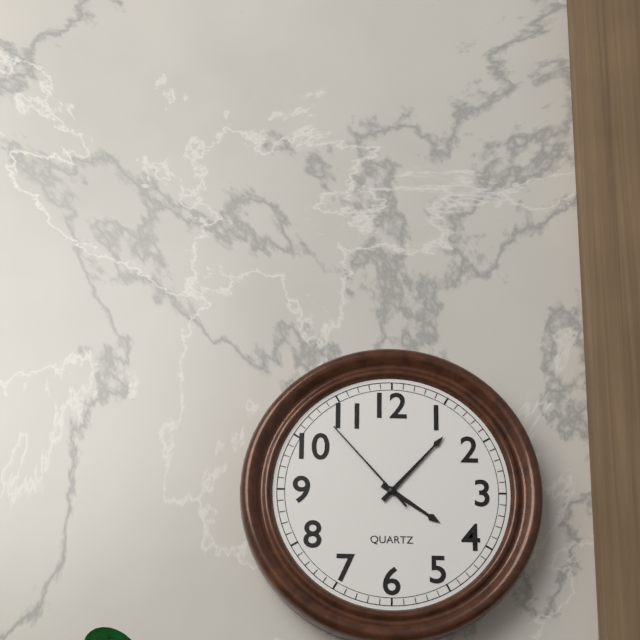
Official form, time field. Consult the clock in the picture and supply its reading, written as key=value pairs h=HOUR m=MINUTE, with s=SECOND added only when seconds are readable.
h=4 m=7 s=53
